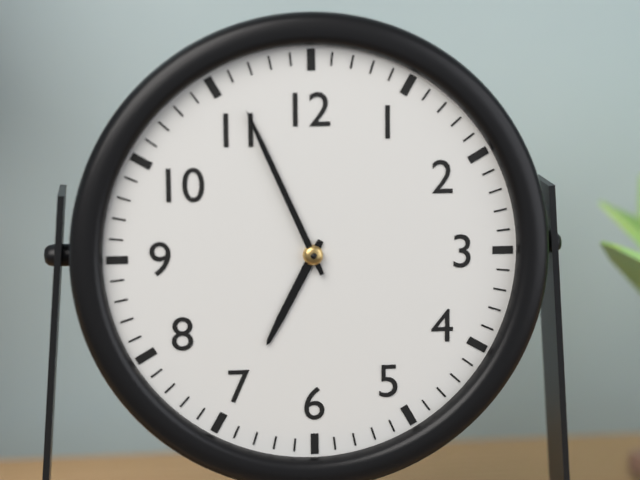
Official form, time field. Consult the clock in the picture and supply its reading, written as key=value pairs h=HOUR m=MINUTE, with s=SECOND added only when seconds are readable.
h=6 m=56
